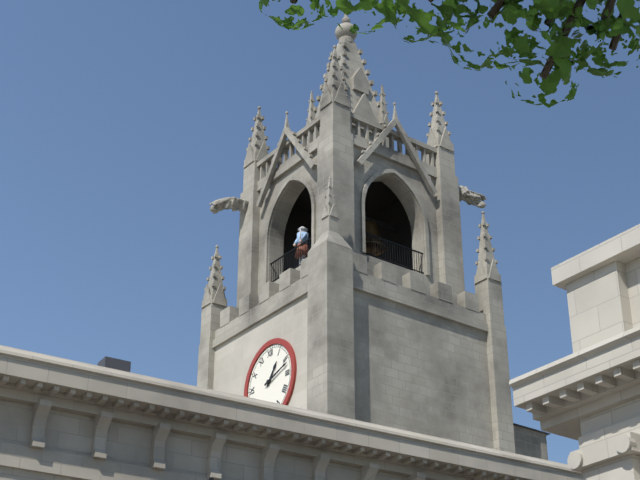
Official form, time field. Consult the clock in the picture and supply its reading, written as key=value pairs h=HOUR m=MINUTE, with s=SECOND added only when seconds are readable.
h=1 m=12
